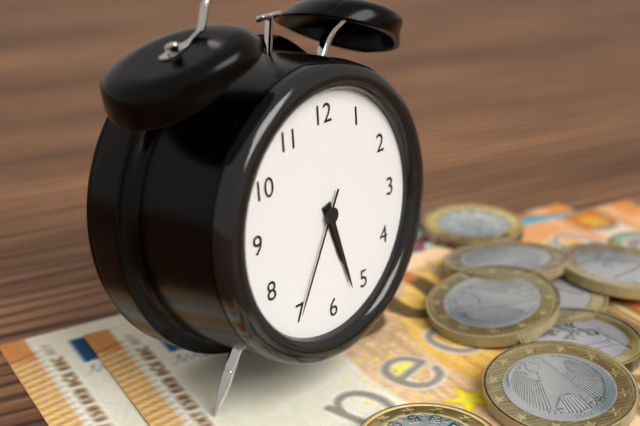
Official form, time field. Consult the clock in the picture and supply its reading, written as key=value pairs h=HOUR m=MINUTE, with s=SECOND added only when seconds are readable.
h=5 m=27 s=35
